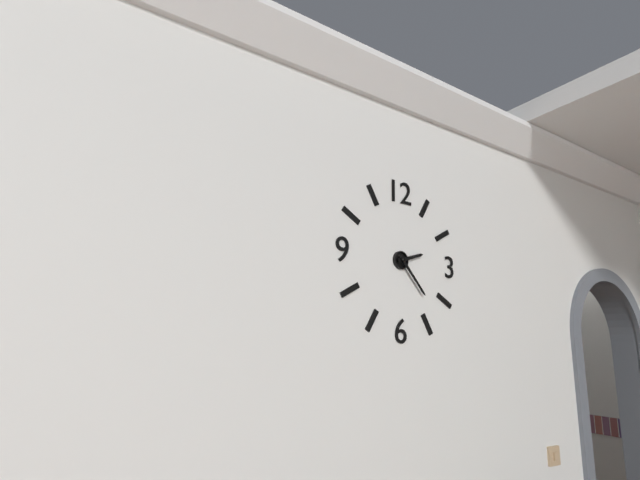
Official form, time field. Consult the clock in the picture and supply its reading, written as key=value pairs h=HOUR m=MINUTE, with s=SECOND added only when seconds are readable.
h=2 m=23
